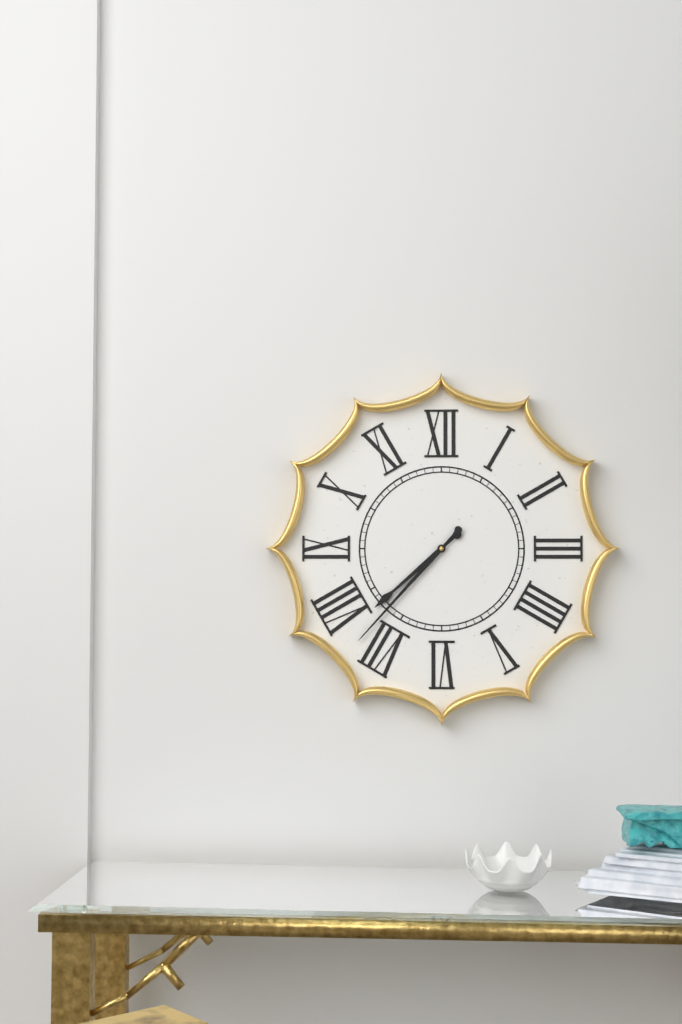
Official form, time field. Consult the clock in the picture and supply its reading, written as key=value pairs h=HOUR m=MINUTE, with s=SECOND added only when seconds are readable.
h=7 m=37
